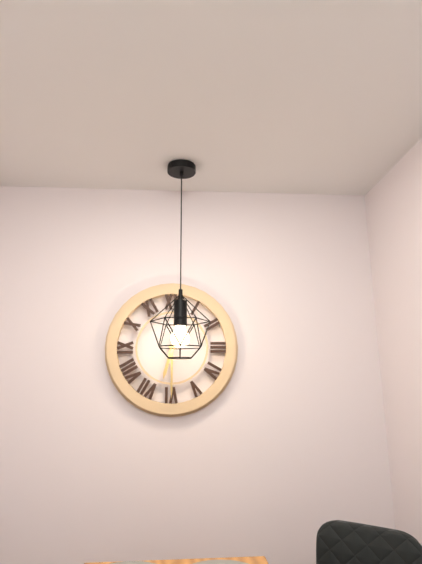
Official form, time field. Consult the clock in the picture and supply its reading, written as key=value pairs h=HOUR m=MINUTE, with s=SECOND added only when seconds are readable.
h=6 m=30
